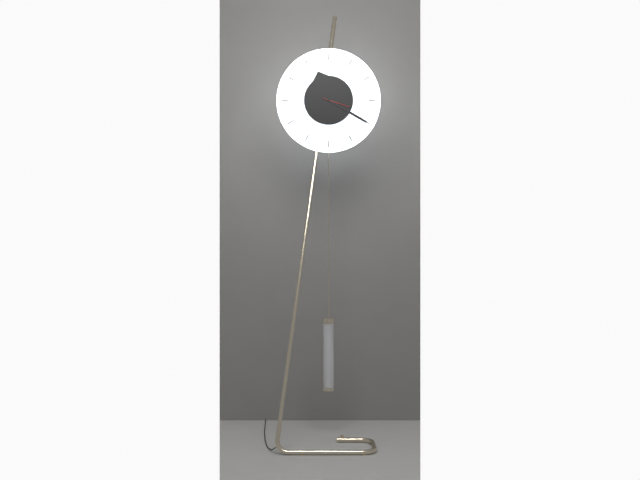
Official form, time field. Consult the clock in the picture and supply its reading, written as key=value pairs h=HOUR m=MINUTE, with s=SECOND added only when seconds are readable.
h=11 m=20
